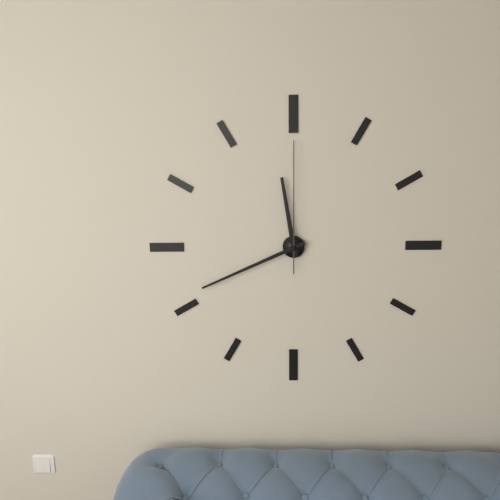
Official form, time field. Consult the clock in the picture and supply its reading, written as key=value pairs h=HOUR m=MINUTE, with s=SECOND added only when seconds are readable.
h=11 m=41 s=0
